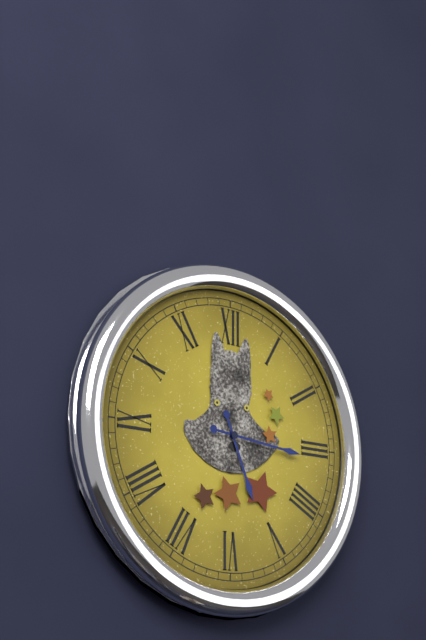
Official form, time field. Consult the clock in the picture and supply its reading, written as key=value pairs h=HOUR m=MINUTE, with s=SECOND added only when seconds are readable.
h=5 m=16
